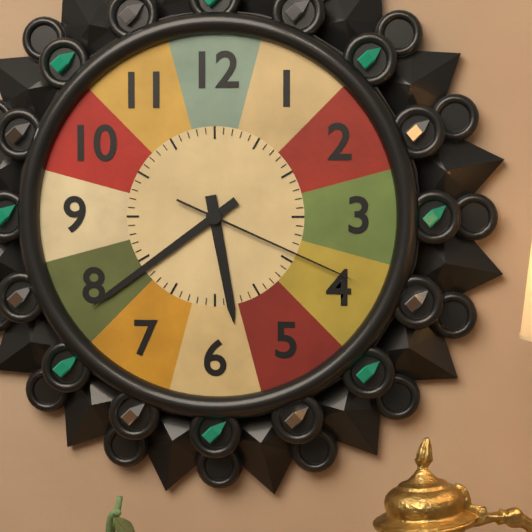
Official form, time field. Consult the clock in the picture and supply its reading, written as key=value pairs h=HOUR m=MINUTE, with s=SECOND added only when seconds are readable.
h=5 m=39 s=19
